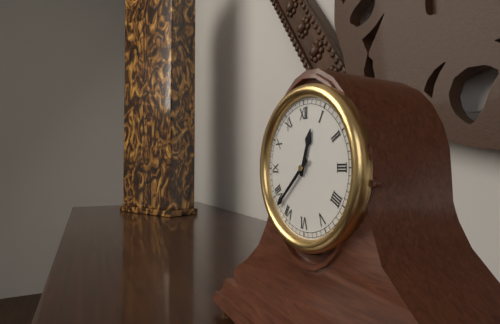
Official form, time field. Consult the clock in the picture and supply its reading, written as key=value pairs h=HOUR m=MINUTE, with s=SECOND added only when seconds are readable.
h=12 m=38
